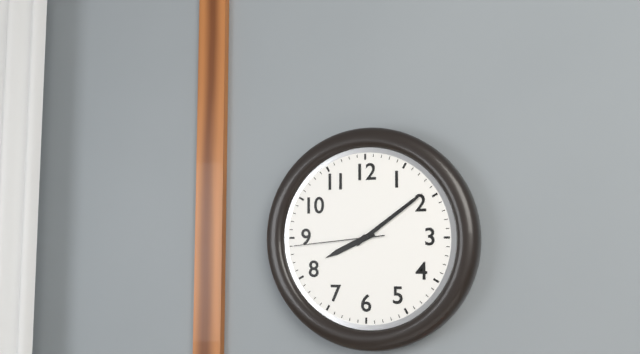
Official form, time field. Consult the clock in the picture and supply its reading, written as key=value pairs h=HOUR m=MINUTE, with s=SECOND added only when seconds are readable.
h=8 m=9 s=44
